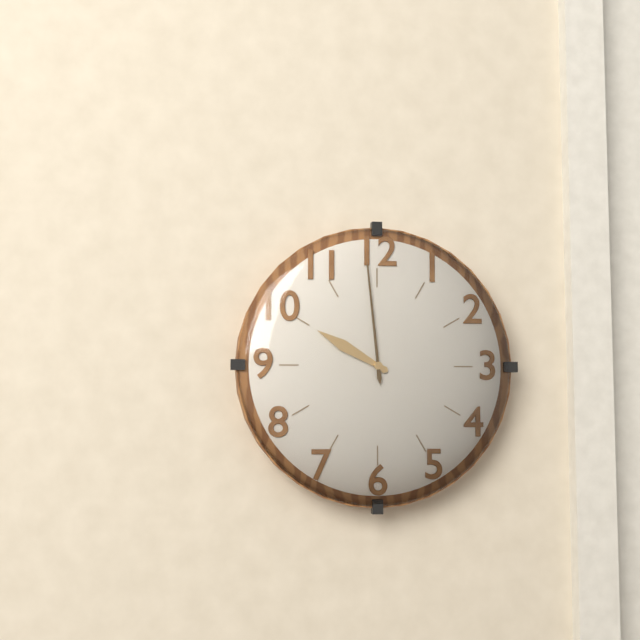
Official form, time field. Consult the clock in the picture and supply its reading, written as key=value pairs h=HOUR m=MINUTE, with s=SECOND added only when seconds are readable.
h=9 m=59
